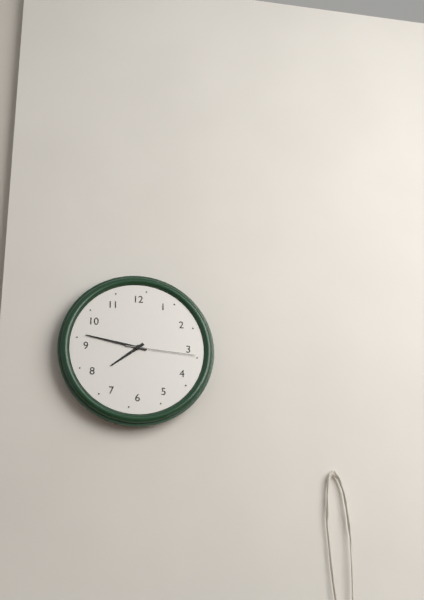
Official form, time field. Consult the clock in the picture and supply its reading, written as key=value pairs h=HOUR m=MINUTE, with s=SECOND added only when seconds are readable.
h=7 m=47 s=16
